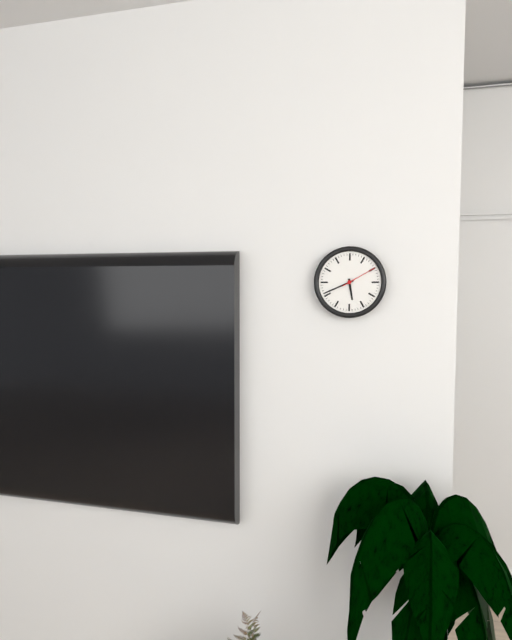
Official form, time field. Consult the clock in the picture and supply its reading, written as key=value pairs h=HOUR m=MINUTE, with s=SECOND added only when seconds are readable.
h=5 m=41
